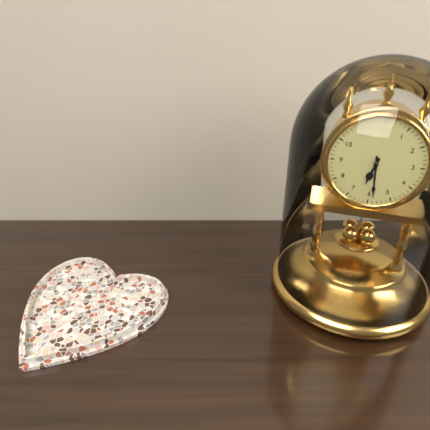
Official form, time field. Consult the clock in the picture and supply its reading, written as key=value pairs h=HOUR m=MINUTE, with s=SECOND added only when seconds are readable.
h=6 m=29
